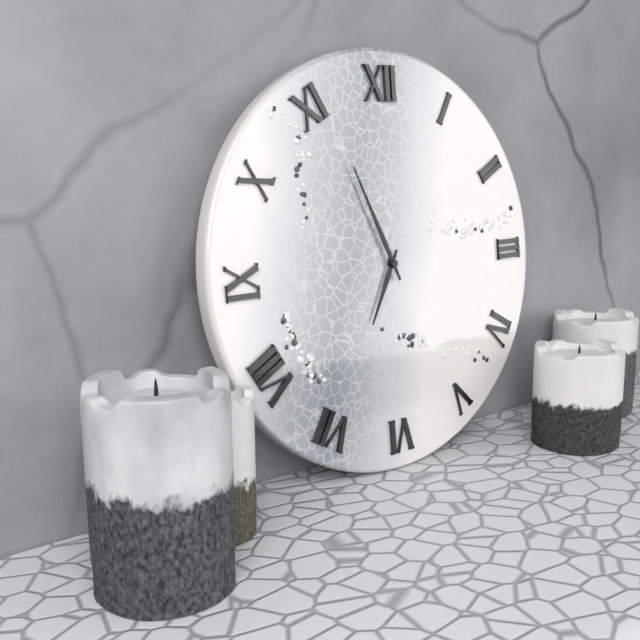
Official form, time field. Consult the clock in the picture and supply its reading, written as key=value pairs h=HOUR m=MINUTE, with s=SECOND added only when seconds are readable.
h=6 m=56
